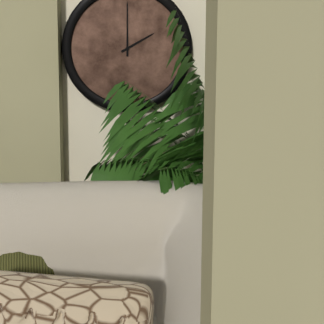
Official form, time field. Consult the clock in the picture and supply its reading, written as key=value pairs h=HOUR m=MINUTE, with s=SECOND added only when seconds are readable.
h=2 m=0
